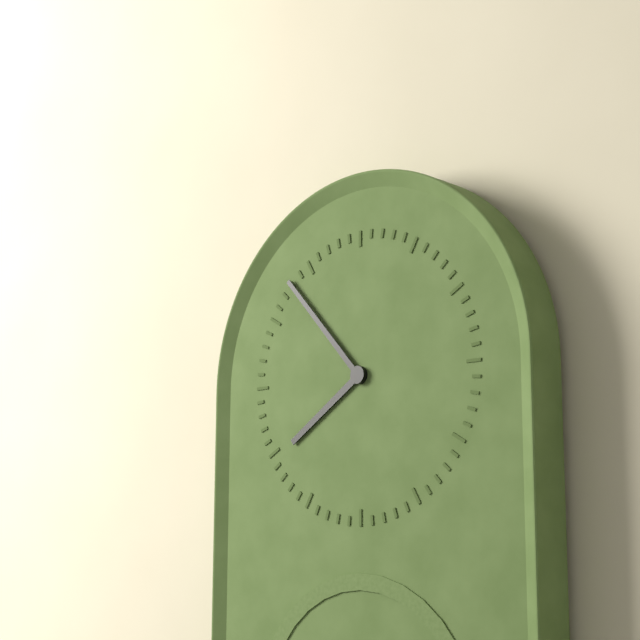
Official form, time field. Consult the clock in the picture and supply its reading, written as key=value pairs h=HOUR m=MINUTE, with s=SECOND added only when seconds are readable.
h=7 m=53
